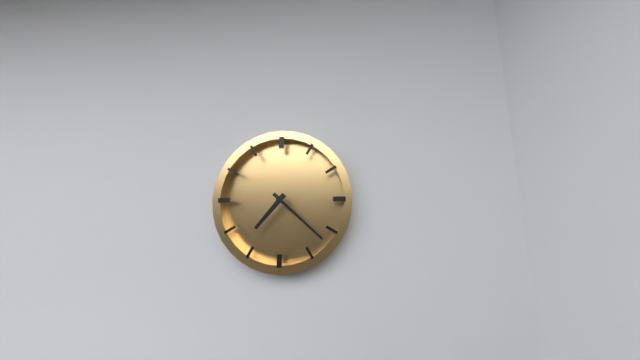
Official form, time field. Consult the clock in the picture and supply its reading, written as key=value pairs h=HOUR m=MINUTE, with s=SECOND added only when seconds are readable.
h=7 m=22
